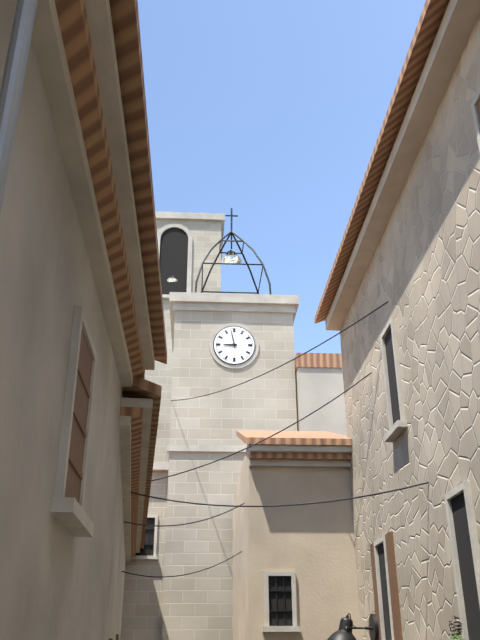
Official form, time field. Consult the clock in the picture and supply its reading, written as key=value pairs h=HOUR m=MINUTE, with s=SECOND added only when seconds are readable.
h=8 m=58
